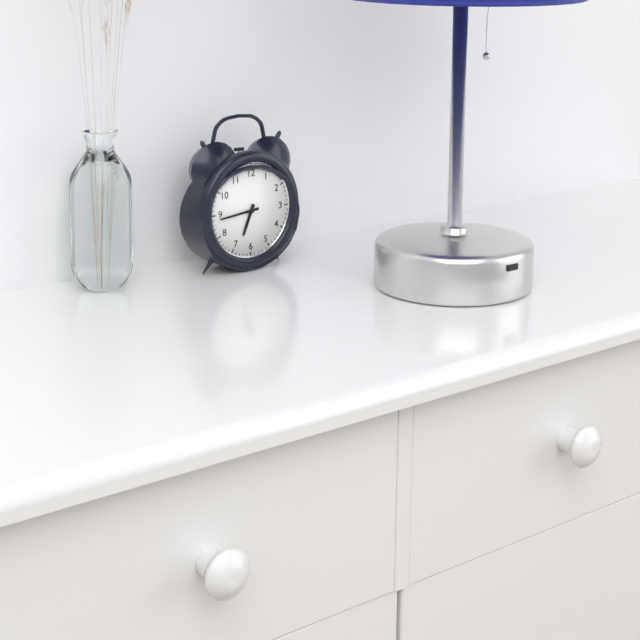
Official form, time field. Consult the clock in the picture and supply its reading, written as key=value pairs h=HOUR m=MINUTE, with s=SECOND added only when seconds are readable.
h=6 m=44
